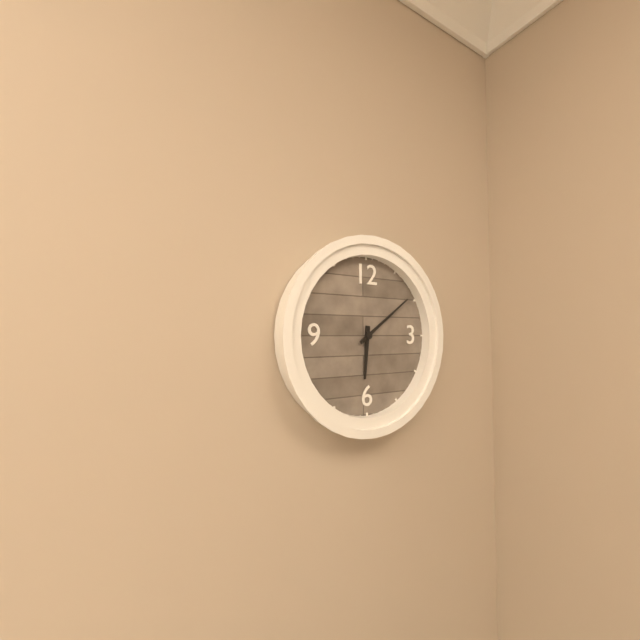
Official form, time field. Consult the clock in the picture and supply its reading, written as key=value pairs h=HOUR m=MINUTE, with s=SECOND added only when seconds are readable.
h=6 m=9
